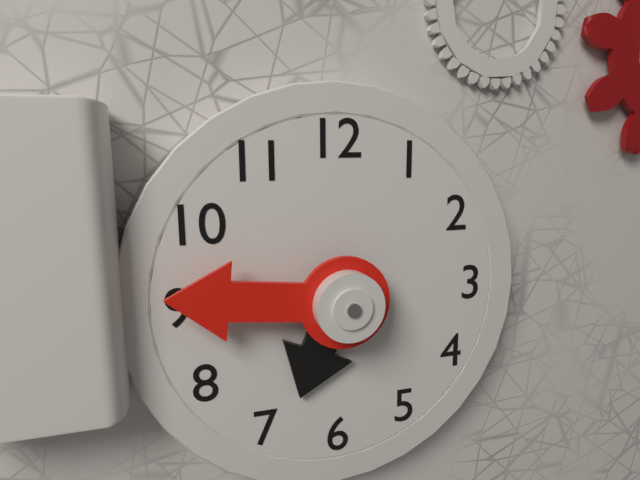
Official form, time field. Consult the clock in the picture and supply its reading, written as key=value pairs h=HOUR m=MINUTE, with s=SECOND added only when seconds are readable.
h=6 m=46
